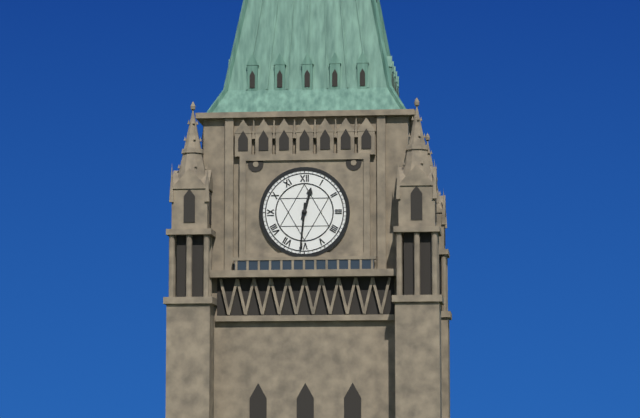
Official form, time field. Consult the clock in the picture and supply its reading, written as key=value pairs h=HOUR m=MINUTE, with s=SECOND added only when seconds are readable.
h=12 m=31
